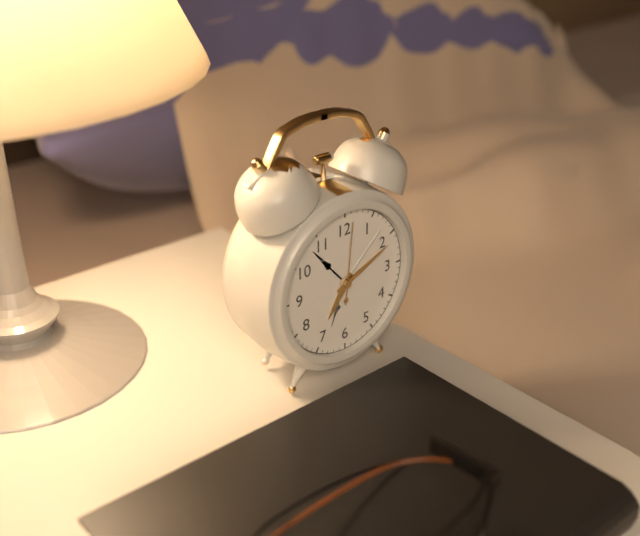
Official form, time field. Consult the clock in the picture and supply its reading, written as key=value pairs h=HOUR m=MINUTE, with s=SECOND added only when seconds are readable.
h=7 m=11 s=1
